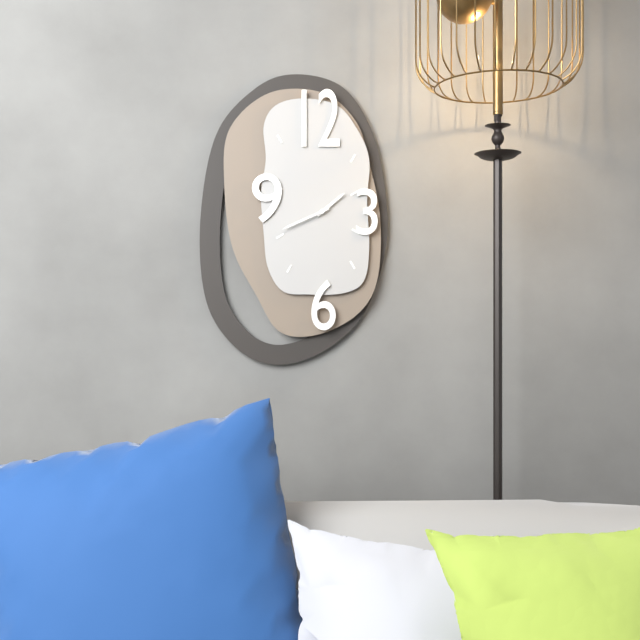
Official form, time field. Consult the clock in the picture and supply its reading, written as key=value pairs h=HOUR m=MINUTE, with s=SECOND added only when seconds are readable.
h=1 m=41
